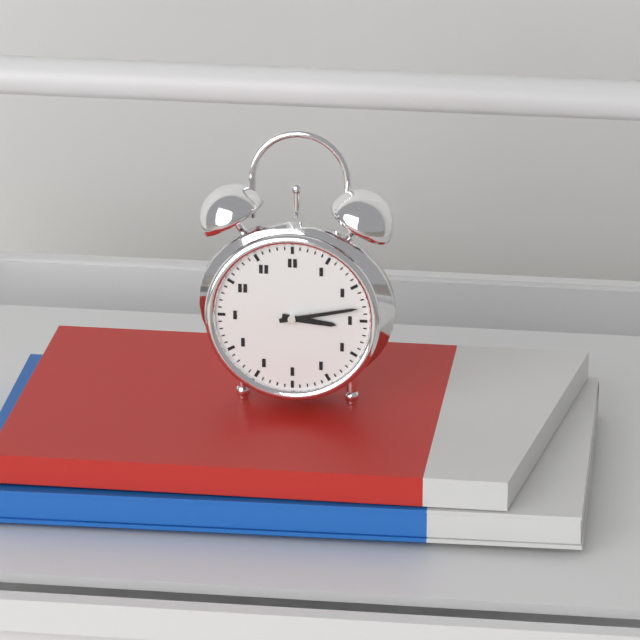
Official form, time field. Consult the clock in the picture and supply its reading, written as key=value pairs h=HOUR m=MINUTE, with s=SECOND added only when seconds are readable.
h=3 m=13
